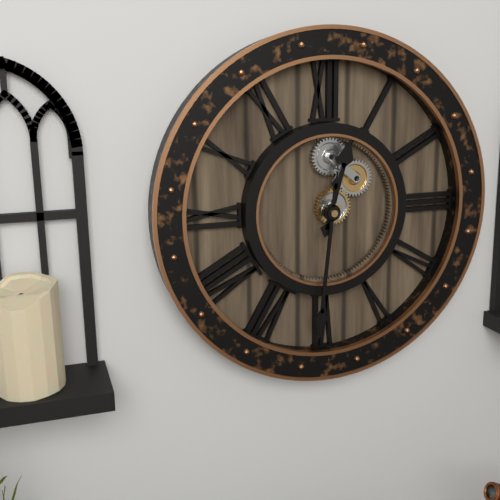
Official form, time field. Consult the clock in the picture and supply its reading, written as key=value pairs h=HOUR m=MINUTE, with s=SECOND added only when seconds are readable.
h=12 m=31
